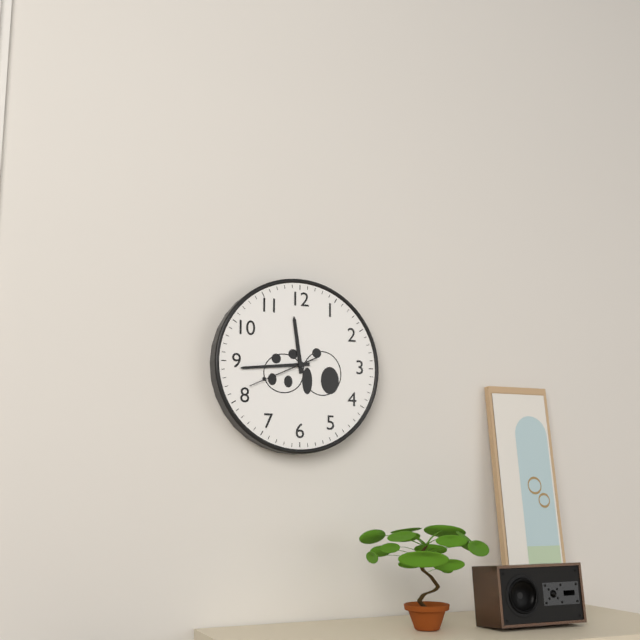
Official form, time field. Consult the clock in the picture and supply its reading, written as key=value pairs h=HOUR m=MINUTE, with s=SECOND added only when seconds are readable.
h=11 m=44 s=41
